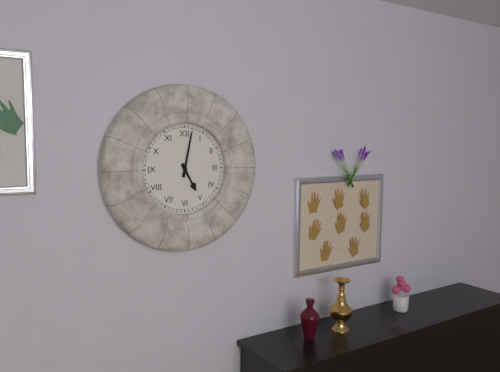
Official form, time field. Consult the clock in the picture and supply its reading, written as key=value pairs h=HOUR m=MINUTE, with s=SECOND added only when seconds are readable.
h=5 m=2
